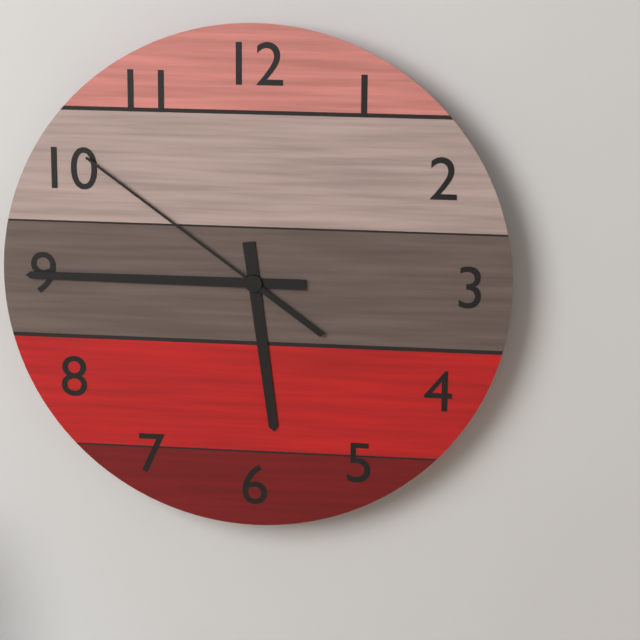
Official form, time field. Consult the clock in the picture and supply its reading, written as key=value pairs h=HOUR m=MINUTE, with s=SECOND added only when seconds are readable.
h=5 m=45 s=51
